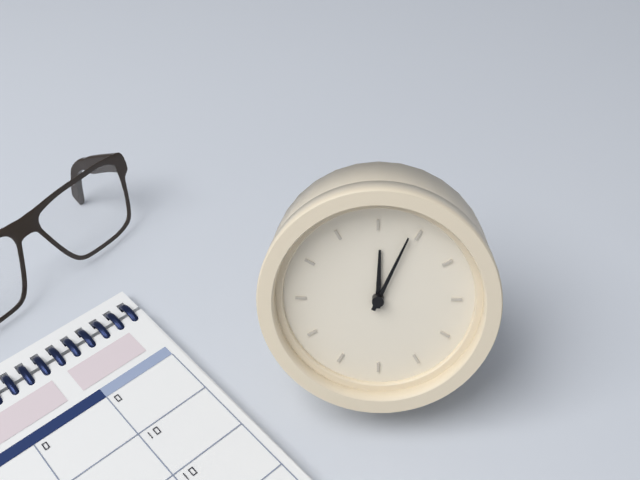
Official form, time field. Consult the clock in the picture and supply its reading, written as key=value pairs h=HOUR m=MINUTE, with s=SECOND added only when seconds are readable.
h=12 m=4
